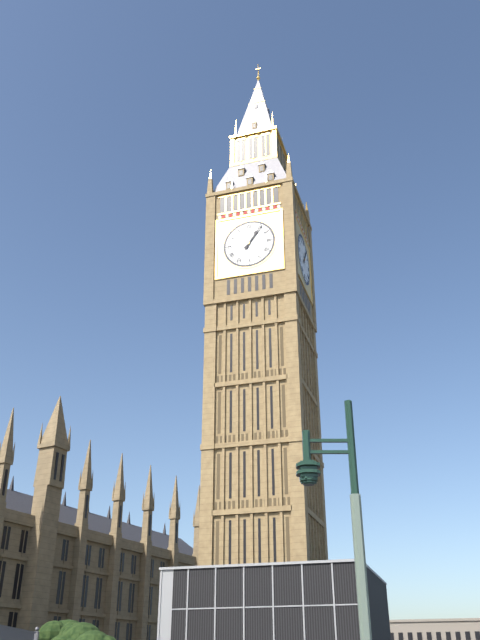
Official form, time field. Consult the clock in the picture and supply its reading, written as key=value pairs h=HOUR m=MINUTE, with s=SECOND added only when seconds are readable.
h=1 m=6
